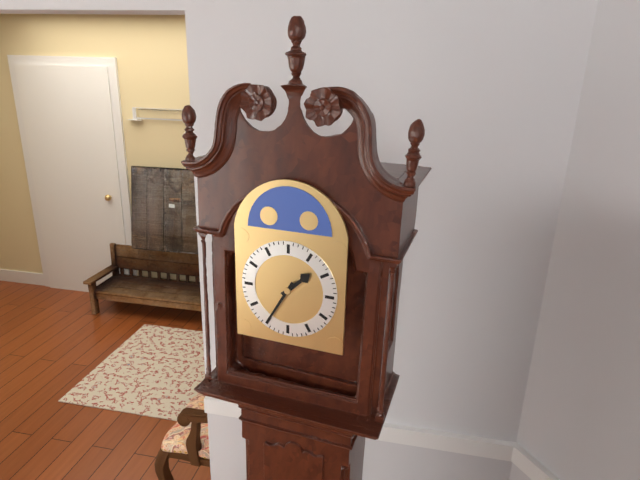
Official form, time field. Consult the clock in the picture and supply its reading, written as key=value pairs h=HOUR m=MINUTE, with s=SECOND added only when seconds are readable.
h=1 m=35
